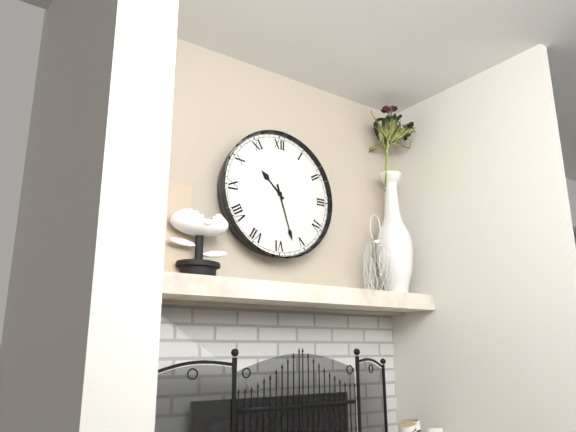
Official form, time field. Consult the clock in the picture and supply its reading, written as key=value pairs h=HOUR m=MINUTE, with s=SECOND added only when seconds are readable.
h=10 m=27
